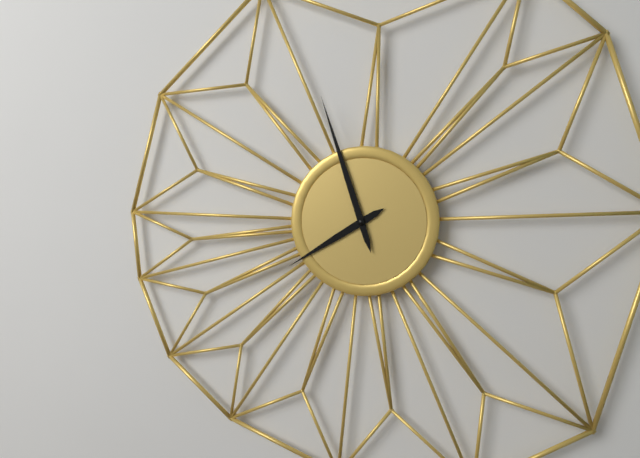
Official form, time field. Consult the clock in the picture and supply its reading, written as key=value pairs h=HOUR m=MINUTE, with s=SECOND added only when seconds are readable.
h=7 m=57
